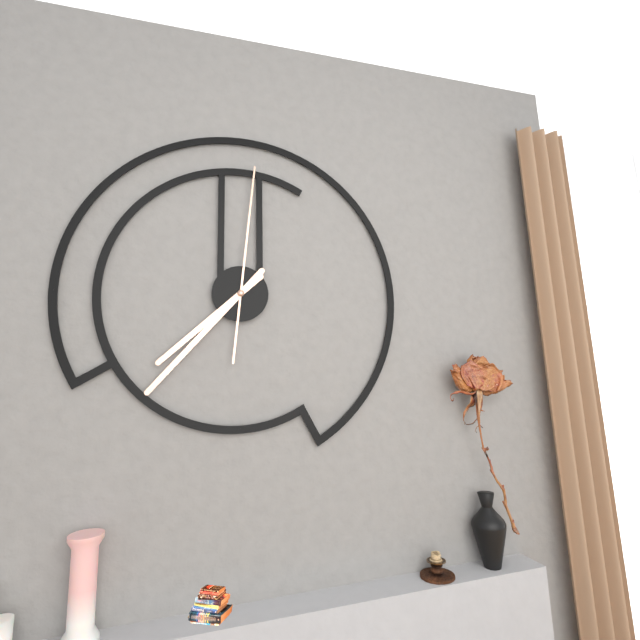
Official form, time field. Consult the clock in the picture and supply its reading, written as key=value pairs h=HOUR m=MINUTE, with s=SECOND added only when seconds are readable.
h=7 m=37 s=1
